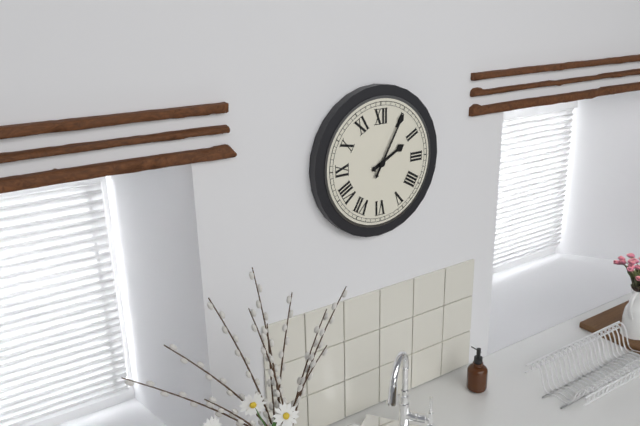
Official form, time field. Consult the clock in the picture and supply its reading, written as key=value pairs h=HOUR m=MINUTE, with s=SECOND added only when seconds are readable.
h=2 m=5
